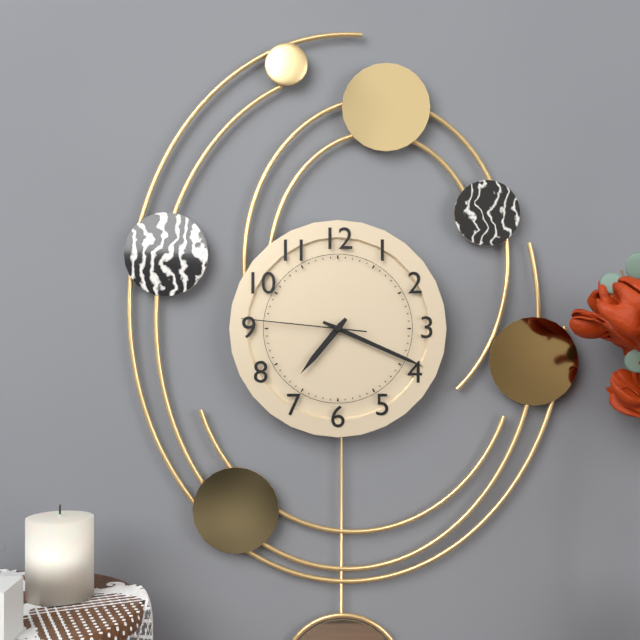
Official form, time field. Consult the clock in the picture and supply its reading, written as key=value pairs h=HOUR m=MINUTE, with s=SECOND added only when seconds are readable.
h=7 m=19 s=46
